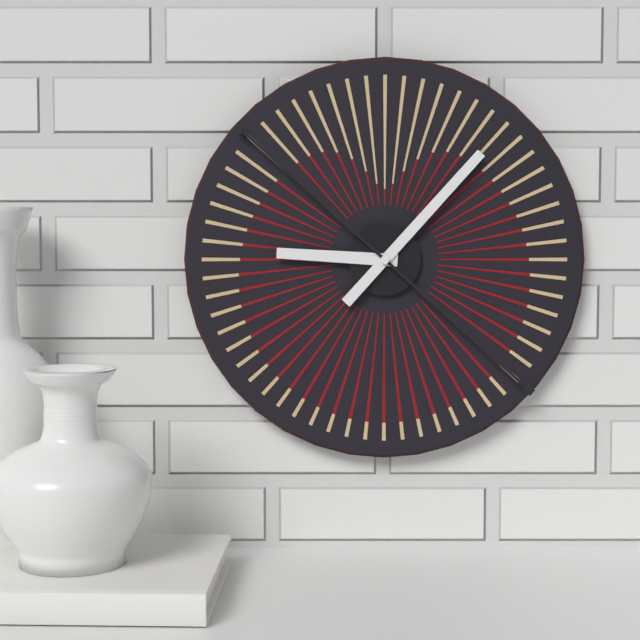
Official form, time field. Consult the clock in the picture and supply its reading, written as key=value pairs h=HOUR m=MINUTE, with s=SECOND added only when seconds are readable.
h=9 m=7
